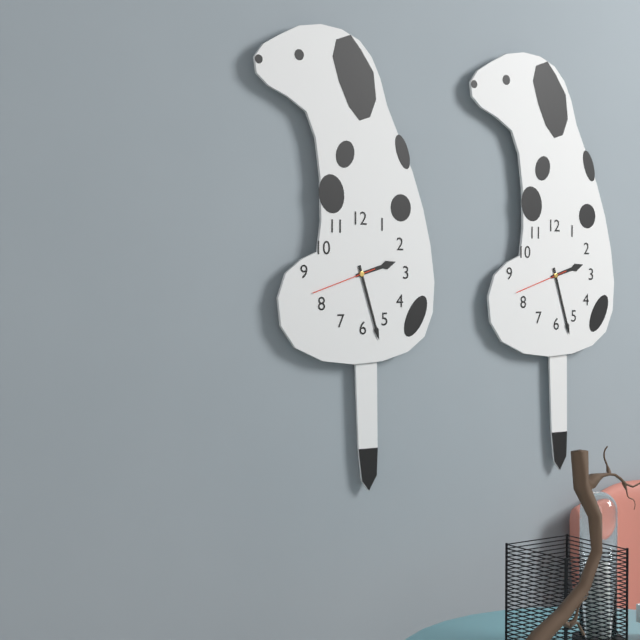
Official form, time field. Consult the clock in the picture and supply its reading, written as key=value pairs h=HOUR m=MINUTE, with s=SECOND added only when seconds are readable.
h=2 m=27 s=42
